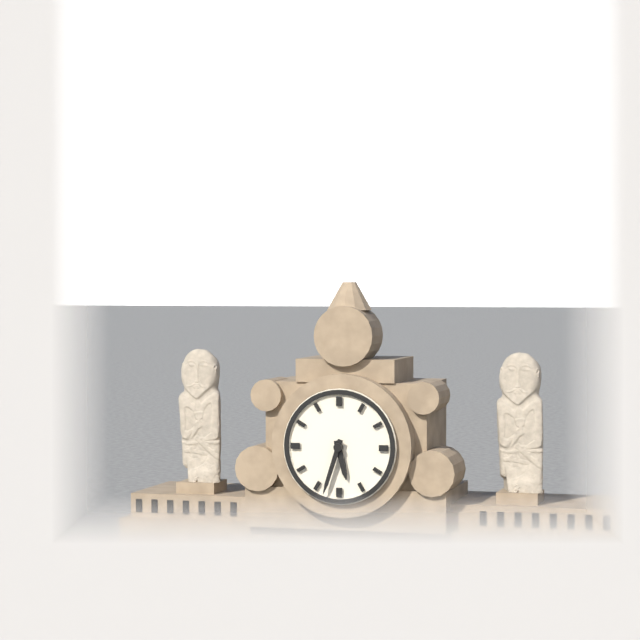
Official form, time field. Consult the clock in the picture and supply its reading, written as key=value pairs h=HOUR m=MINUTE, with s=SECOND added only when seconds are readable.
h=5 m=33
